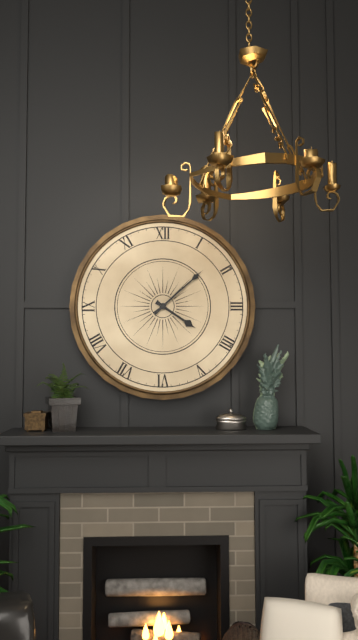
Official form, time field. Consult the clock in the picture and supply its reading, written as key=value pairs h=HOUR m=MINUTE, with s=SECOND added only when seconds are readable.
h=4 m=8
